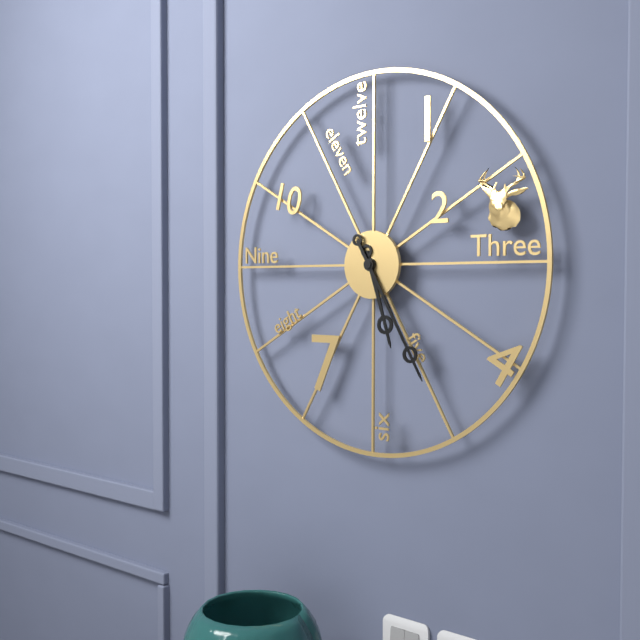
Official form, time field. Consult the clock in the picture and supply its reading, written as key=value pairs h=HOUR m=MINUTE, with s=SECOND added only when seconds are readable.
h=5 m=25
